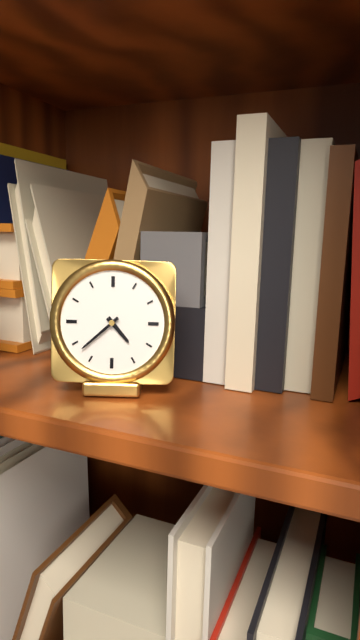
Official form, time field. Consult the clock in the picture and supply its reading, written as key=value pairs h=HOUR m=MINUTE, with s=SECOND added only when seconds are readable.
h=4 m=38
